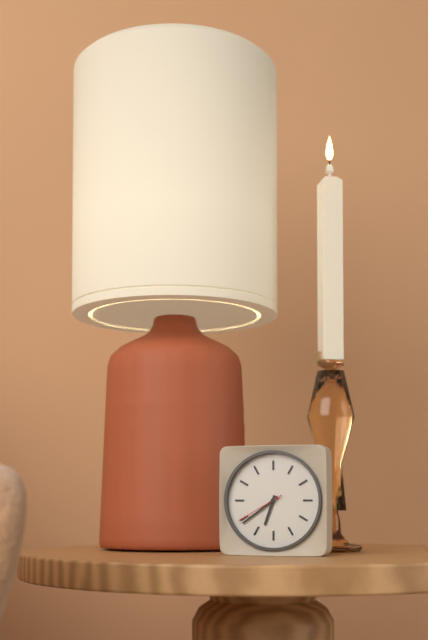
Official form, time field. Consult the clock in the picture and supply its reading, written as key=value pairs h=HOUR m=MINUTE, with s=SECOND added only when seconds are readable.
h=6 m=39 s=40
